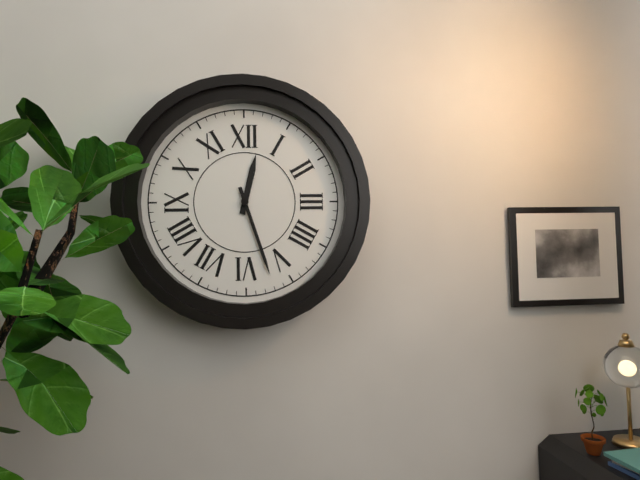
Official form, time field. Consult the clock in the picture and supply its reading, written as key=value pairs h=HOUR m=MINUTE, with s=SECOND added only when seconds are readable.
h=12 m=27
